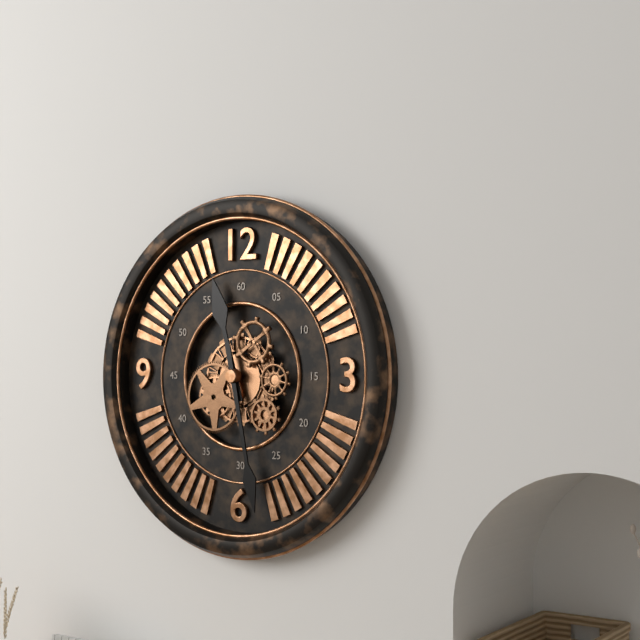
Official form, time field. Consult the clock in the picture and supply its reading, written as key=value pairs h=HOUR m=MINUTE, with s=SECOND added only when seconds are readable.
h=11 m=28
